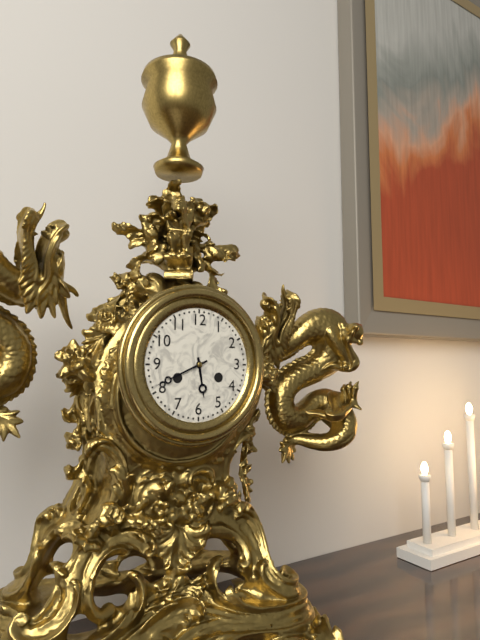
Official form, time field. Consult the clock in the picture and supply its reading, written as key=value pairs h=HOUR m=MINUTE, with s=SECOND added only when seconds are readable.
h=5 m=41
